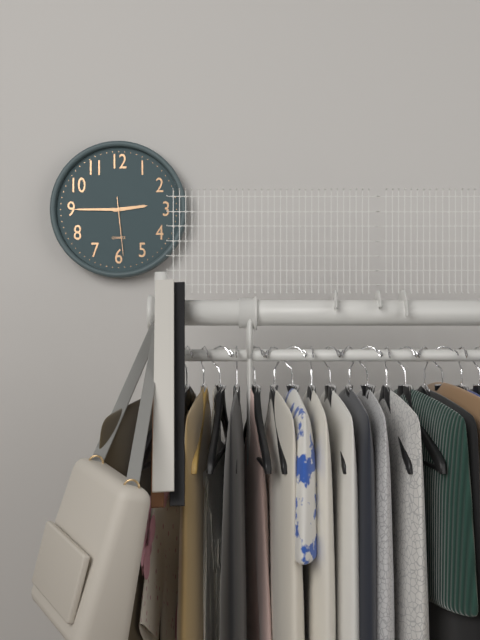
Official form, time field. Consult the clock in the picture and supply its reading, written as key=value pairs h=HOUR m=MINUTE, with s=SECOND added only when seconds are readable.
h=2 m=45 s=29
